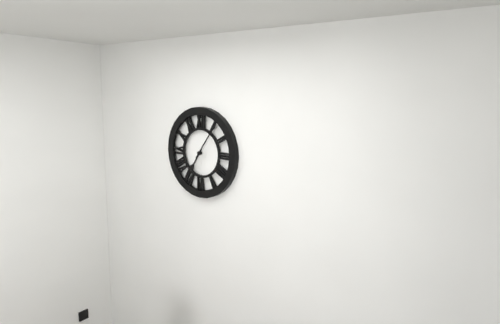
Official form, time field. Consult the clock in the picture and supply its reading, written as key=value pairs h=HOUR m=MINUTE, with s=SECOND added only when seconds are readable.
h=7 m=6
